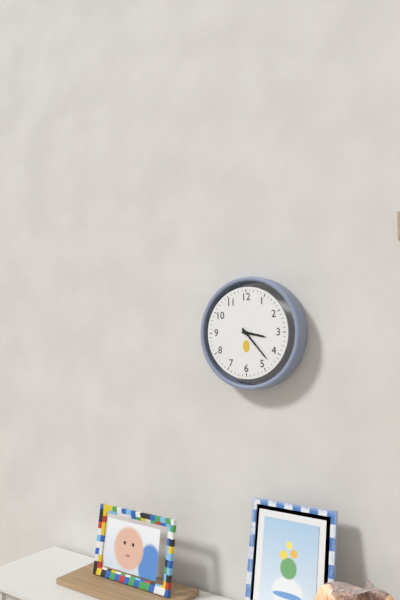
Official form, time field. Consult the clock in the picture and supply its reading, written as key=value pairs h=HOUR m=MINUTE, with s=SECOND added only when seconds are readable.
h=3 m=23
